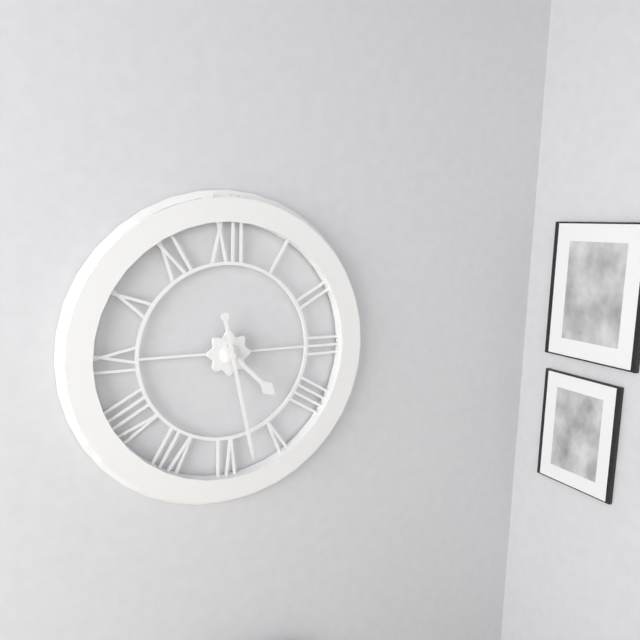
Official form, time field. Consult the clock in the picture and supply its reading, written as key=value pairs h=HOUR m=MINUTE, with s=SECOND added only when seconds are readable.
h=4 m=28
